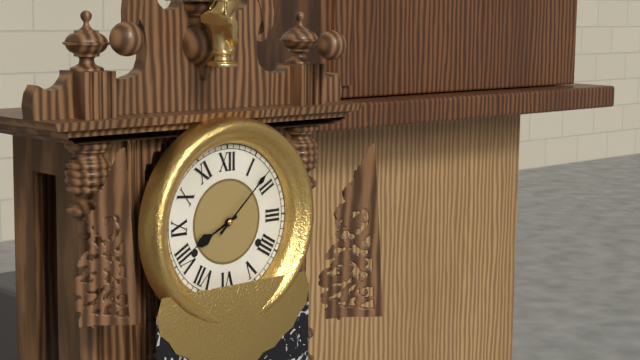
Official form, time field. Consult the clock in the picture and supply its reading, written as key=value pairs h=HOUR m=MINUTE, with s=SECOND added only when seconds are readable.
h=8 m=8
